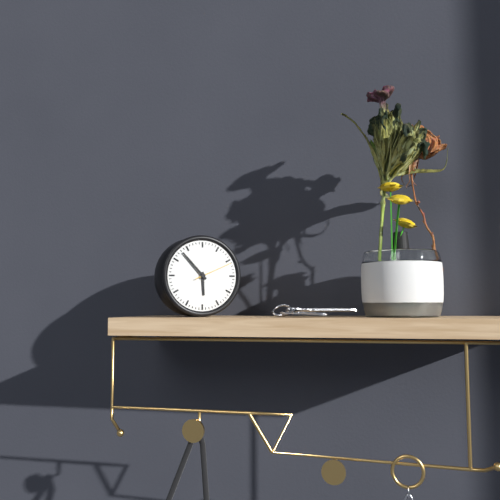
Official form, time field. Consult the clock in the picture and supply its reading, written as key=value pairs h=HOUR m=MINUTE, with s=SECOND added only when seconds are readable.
h=5 m=53
